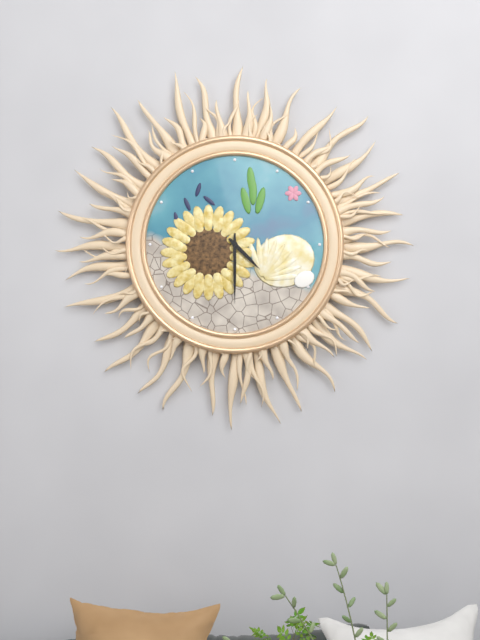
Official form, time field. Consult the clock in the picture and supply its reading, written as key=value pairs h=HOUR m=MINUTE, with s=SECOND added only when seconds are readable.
h=4 m=30
